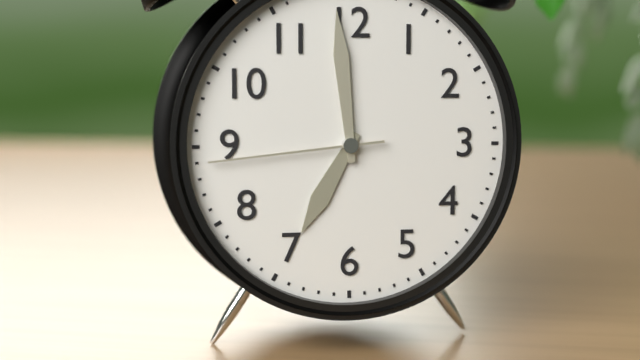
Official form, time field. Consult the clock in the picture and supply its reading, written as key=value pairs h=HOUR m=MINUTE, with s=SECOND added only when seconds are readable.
h=6 m=59 s=44
